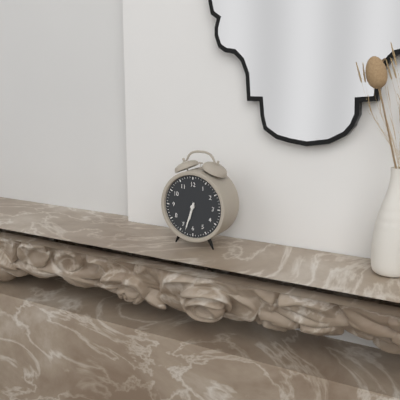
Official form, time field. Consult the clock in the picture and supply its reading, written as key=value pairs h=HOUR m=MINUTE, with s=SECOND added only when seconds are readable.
h=6 m=33
